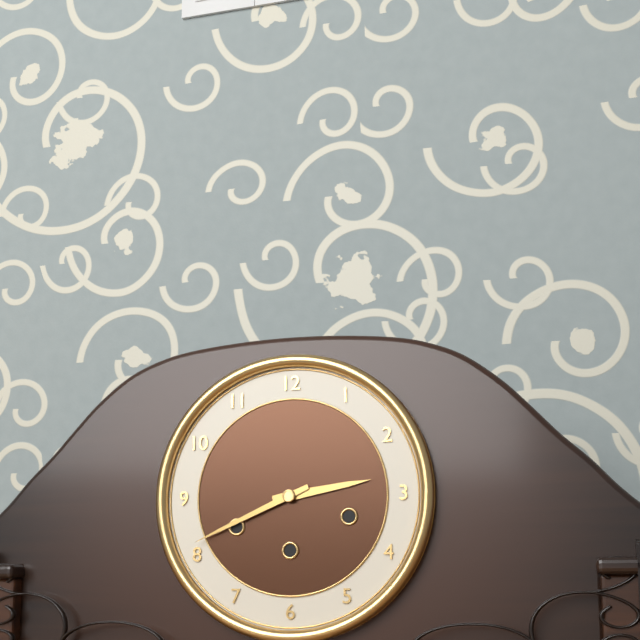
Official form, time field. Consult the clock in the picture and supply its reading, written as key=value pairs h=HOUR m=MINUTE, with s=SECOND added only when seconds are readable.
h=2 m=41
